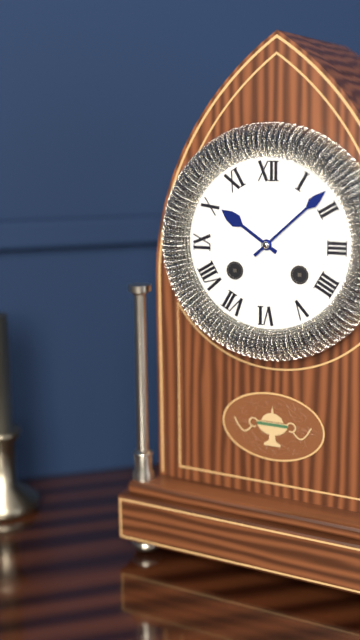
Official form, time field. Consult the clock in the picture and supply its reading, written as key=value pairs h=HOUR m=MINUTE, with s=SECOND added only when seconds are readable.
h=10 m=8
